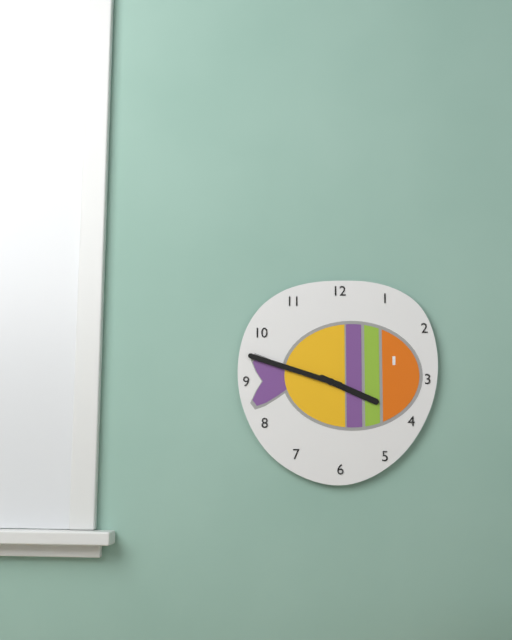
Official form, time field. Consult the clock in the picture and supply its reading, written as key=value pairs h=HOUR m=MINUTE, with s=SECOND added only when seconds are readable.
h=3 m=48
